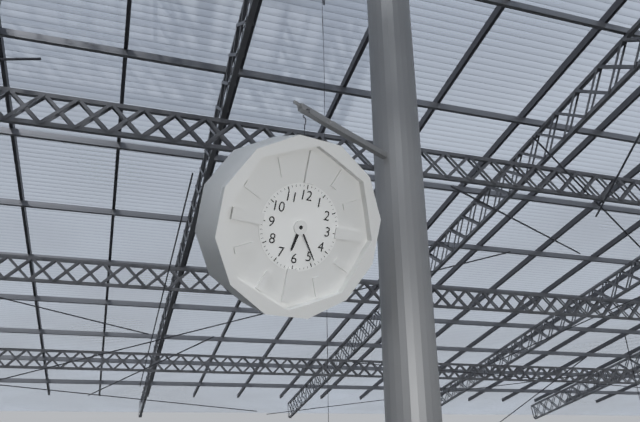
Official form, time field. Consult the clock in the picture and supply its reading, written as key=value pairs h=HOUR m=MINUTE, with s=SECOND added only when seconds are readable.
h=6 m=24
